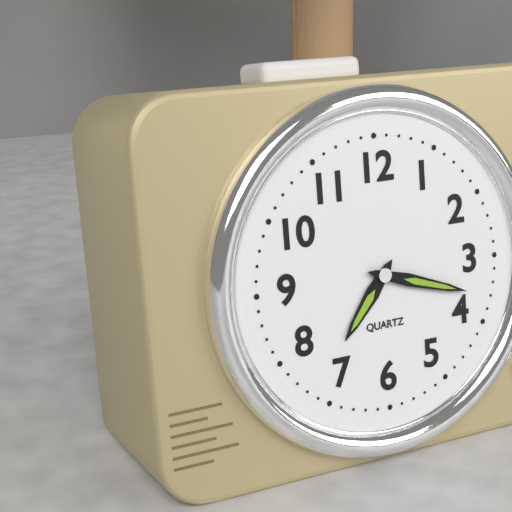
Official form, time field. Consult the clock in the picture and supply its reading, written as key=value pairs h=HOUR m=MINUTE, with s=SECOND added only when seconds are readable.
h=7 m=18
